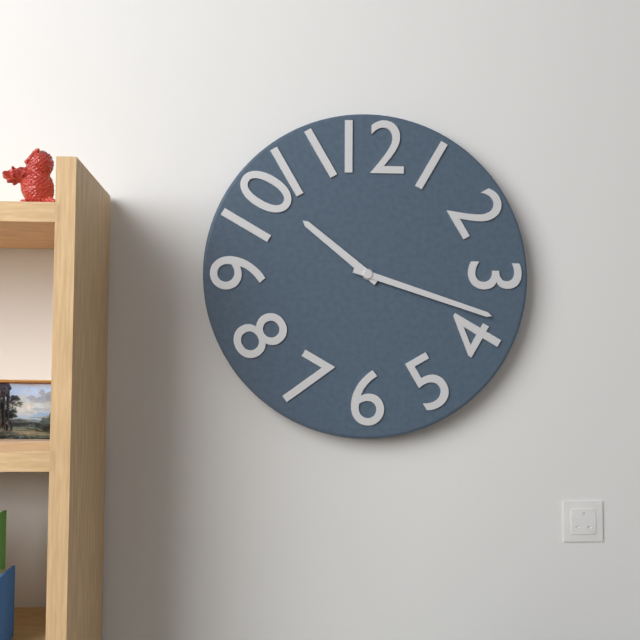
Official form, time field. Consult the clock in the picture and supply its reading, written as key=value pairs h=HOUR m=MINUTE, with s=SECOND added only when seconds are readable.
h=10 m=18
